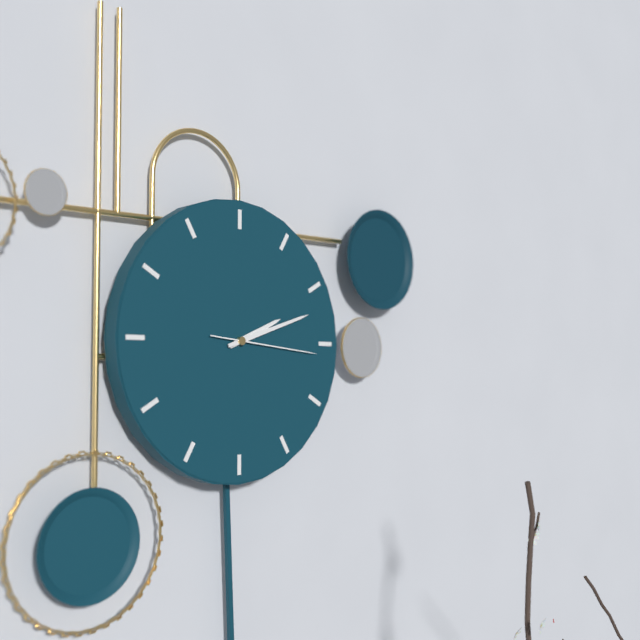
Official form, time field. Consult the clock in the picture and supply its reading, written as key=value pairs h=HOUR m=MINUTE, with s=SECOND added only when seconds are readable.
h=2 m=12 s=16
